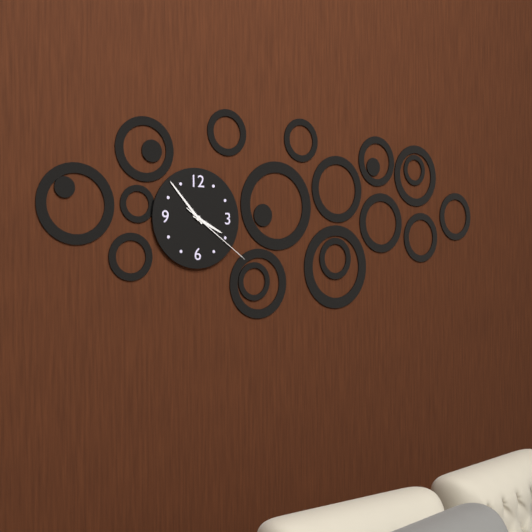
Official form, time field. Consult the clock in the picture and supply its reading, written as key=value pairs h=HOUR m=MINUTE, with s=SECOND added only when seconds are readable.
h=3 m=53 s=21
